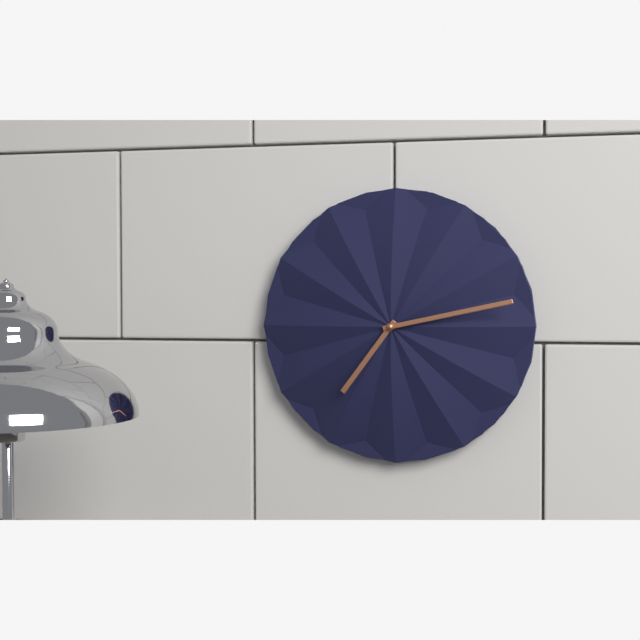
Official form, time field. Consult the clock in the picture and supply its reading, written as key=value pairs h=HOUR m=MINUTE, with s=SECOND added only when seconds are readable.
h=7 m=13
